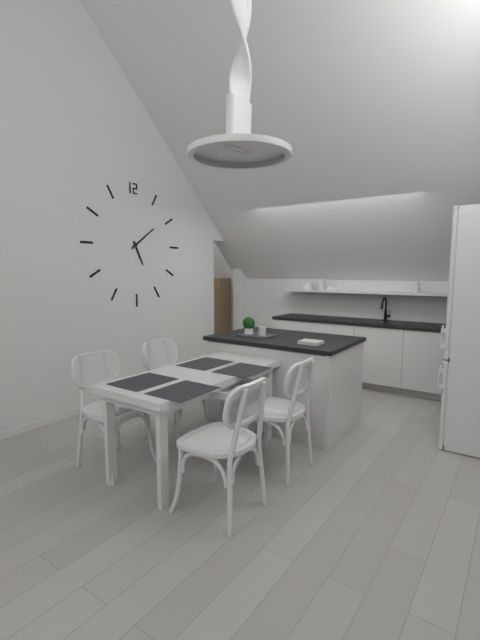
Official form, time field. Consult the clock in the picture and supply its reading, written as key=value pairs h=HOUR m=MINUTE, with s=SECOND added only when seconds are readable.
h=5 m=9
